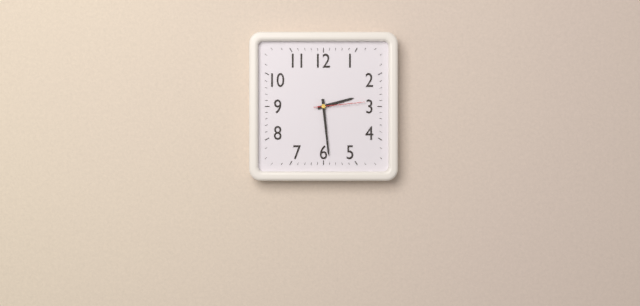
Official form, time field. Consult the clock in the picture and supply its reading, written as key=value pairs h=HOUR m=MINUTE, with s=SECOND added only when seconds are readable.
h=2 m=29 s=14
